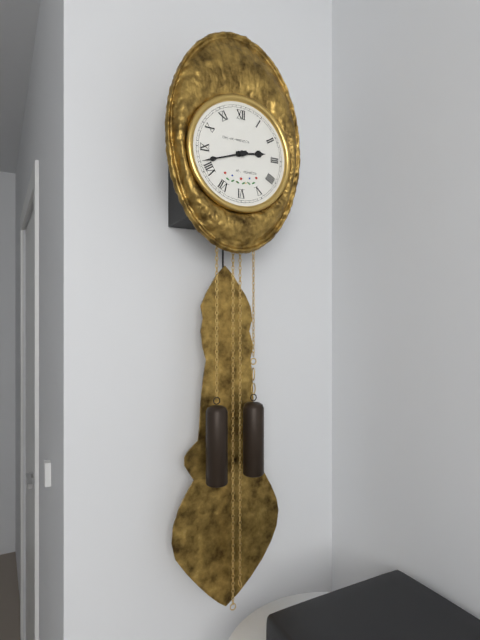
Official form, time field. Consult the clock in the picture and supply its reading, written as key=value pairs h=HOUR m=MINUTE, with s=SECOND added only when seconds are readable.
h=2 m=42
